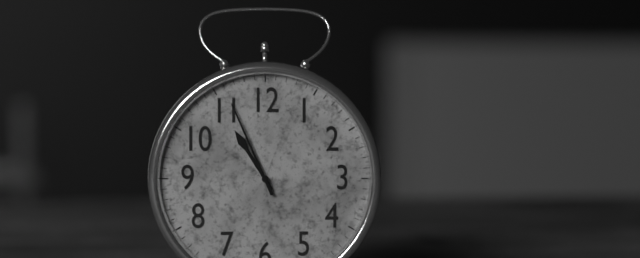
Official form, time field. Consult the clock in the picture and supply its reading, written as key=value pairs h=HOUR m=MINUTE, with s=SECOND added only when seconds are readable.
h=10 m=56
